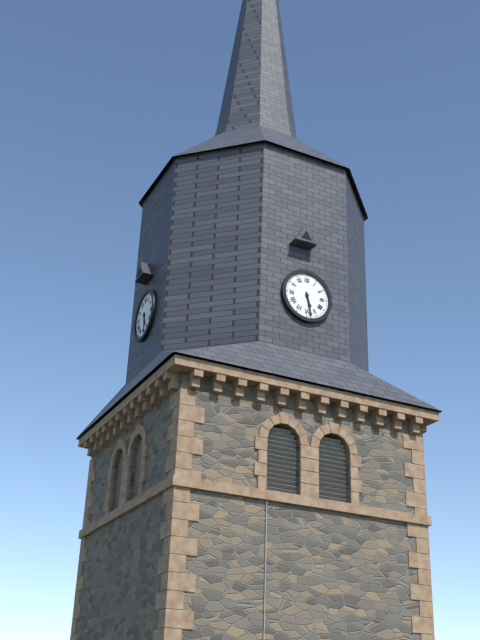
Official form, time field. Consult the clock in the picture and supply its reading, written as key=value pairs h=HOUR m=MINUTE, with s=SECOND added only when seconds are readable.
h=5 m=28
